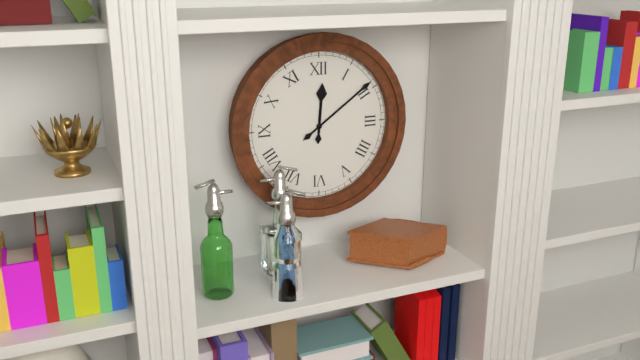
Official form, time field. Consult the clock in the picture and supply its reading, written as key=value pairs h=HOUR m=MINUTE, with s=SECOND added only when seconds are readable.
h=12 m=9
